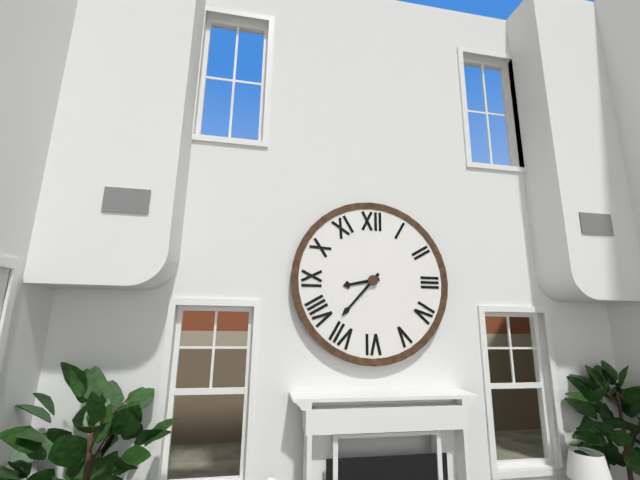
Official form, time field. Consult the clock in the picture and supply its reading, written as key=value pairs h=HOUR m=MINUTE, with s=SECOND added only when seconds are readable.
h=8 m=37
